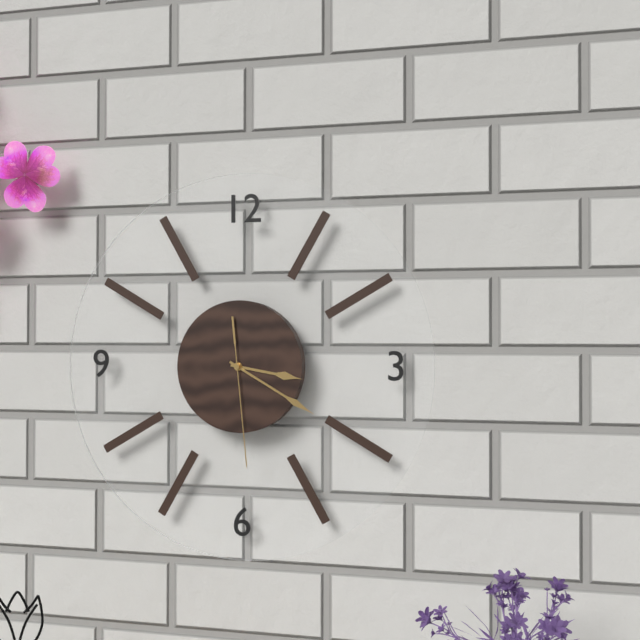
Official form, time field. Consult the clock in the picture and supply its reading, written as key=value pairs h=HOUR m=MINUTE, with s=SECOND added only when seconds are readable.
h=3 m=20 s=29
